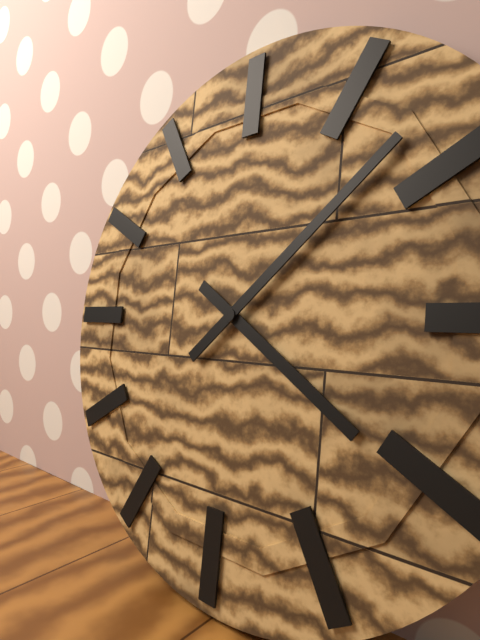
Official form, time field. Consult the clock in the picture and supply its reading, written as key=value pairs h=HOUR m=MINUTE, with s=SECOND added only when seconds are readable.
h=4 m=8
